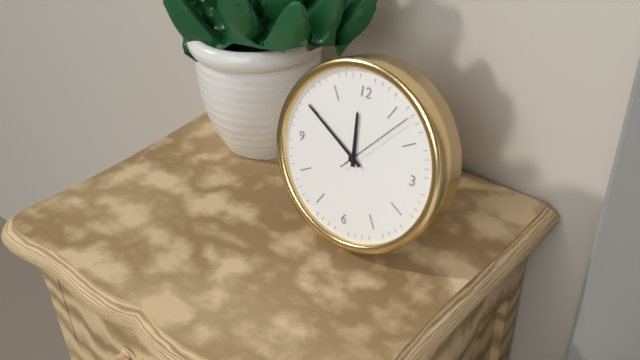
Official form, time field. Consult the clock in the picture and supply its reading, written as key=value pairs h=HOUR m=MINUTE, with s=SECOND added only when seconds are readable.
h=11 m=50 s=7
